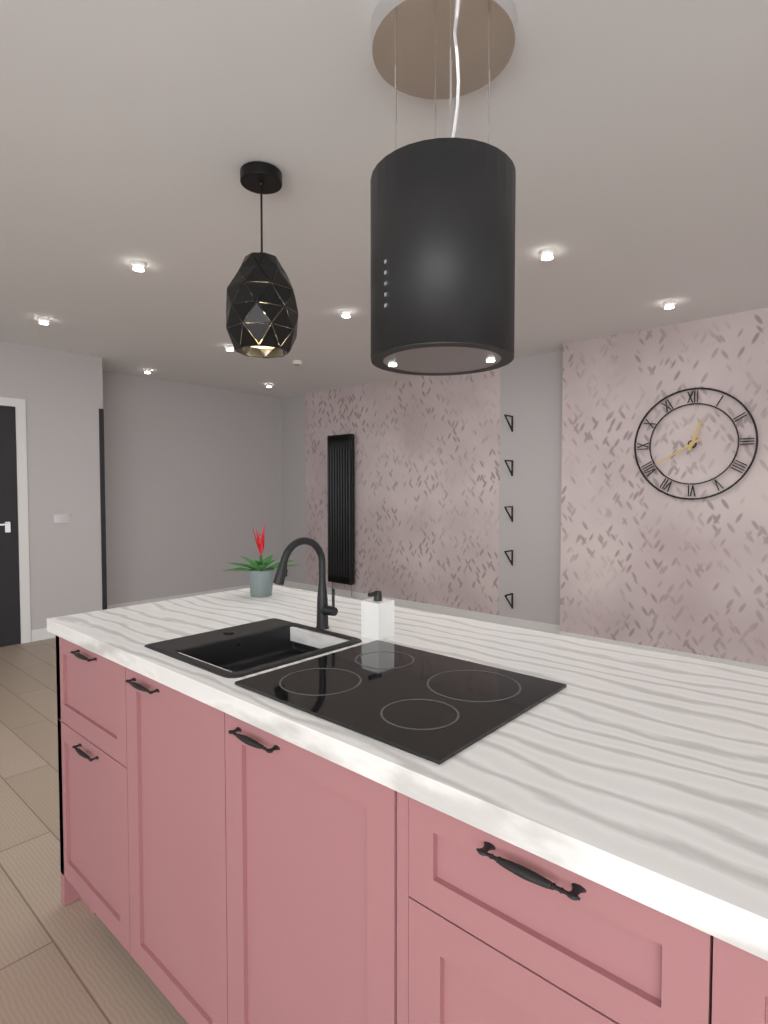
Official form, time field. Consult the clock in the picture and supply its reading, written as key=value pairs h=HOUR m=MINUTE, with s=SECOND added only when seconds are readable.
h=12 m=40
